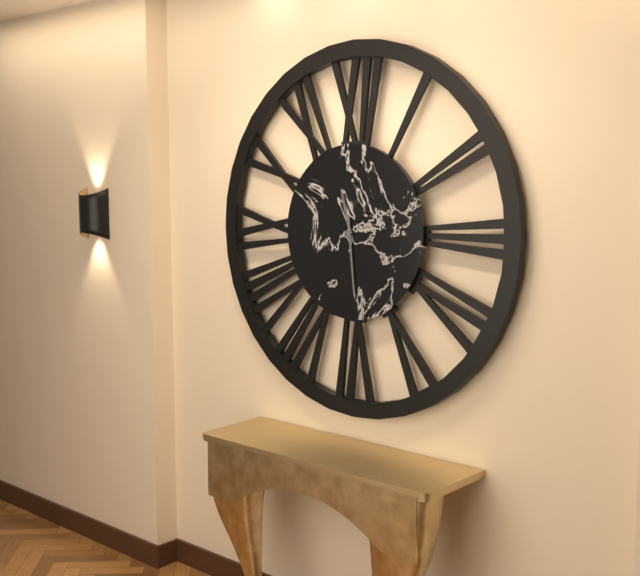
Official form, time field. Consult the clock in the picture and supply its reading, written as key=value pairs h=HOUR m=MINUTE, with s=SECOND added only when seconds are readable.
h=11 m=29
